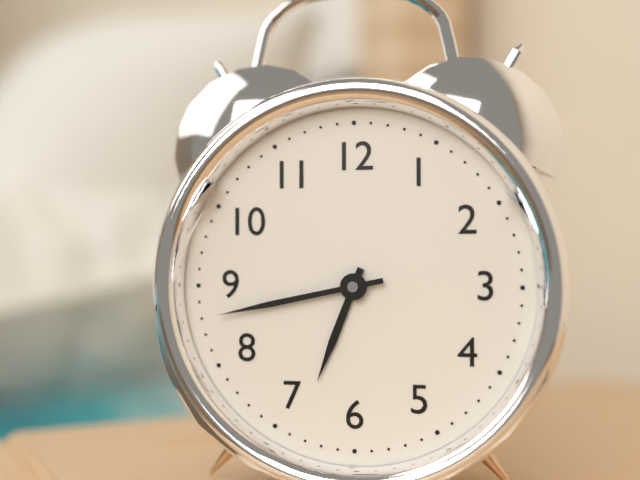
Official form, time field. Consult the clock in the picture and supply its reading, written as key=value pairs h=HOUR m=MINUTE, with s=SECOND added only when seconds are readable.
h=6 m=43
